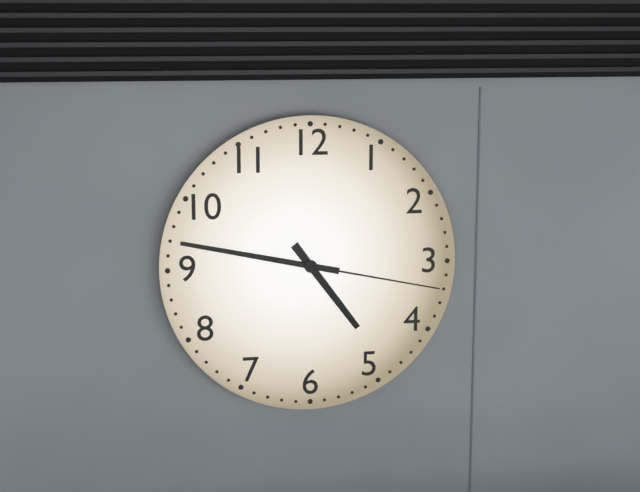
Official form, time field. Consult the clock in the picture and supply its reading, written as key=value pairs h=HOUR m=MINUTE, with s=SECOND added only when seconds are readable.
h=4 m=47 s=17
